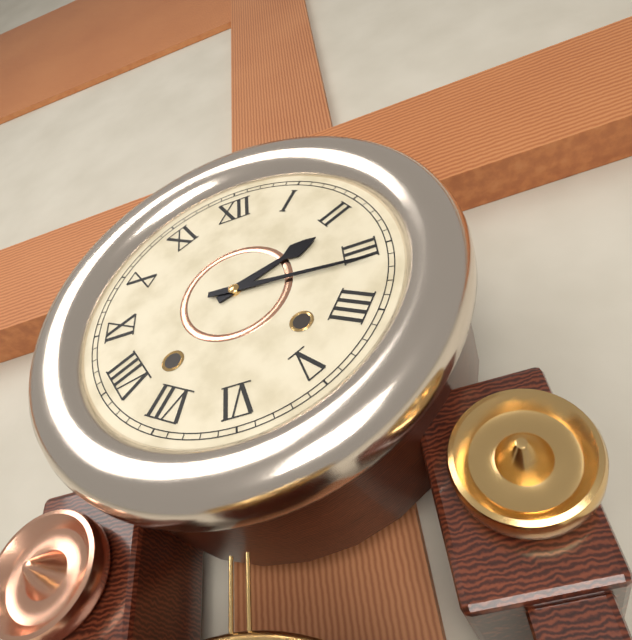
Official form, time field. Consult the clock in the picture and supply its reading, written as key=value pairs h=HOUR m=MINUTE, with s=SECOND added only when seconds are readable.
h=2 m=16
